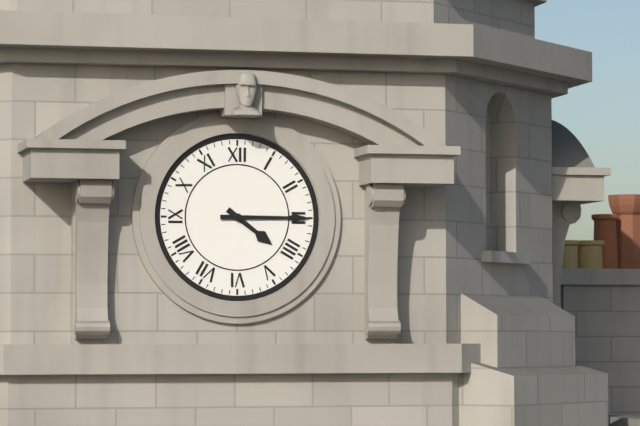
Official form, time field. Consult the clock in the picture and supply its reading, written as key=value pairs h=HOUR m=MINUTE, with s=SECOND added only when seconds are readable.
h=4 m=15
